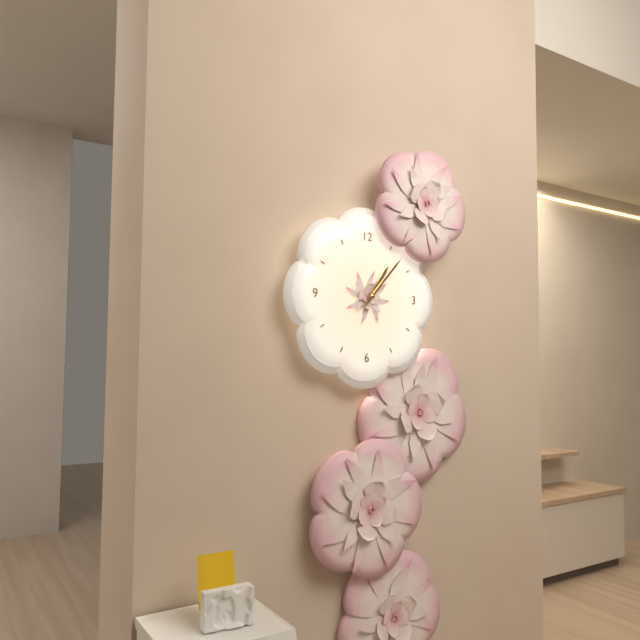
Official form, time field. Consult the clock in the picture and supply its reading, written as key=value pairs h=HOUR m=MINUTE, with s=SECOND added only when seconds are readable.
h=1 m=7
